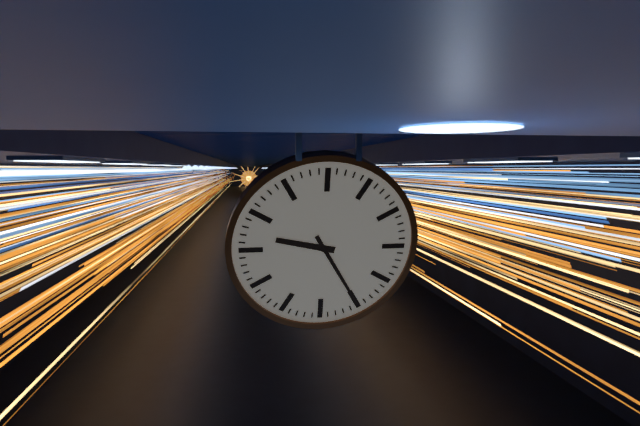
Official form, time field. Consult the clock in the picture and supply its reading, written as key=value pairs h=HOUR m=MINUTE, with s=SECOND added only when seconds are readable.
h=9 m=25
